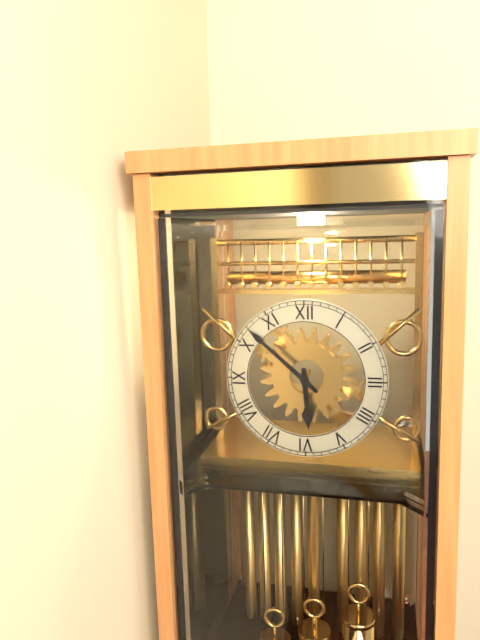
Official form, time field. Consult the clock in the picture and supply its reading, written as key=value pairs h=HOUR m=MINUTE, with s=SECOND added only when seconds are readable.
h=5 m=52
